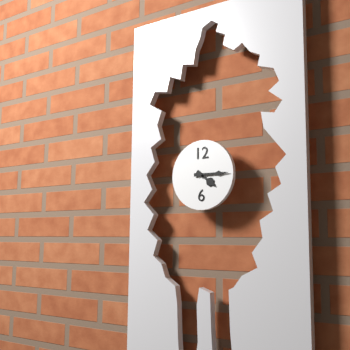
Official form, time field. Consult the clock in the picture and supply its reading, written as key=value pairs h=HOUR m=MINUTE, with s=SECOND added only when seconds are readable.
h=4 m=15
